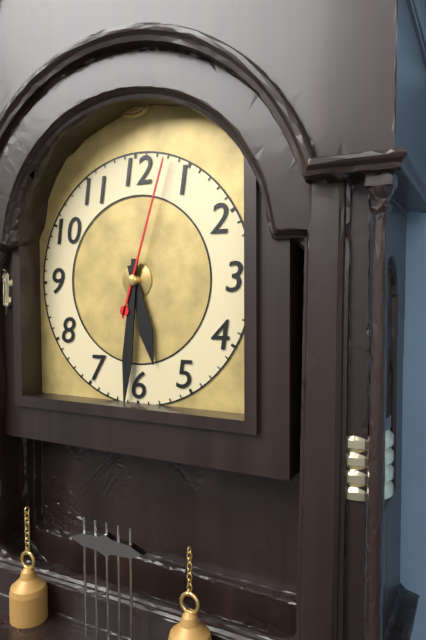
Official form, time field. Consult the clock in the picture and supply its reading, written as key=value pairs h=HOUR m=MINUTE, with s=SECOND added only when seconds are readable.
h=5 m=31 s=3
